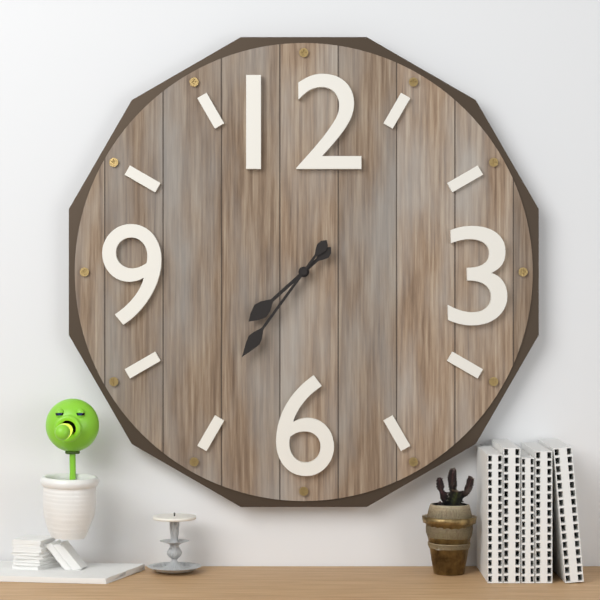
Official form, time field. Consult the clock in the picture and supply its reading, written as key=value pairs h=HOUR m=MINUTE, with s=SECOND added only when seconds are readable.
h=7 m=36
